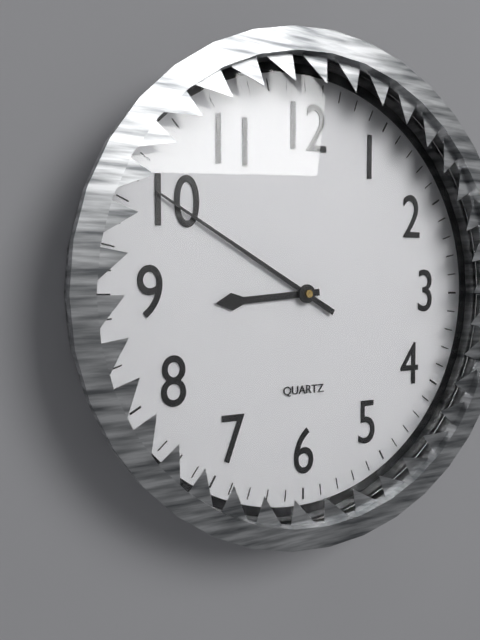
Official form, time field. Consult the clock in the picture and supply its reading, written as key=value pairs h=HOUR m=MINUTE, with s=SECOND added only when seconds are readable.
h=8 m=50
